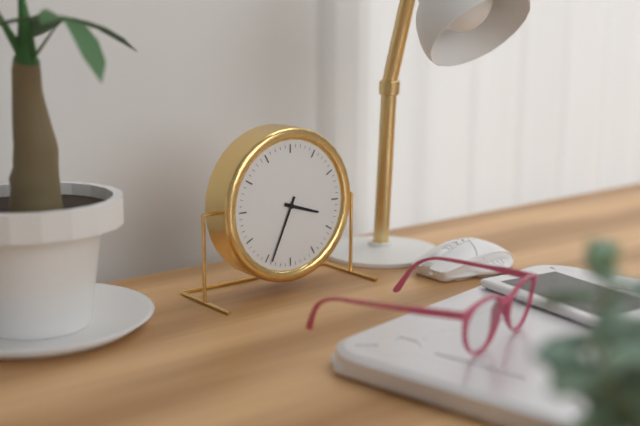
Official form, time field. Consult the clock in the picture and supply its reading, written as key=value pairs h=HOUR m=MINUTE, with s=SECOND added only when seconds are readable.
h=3 m=34
